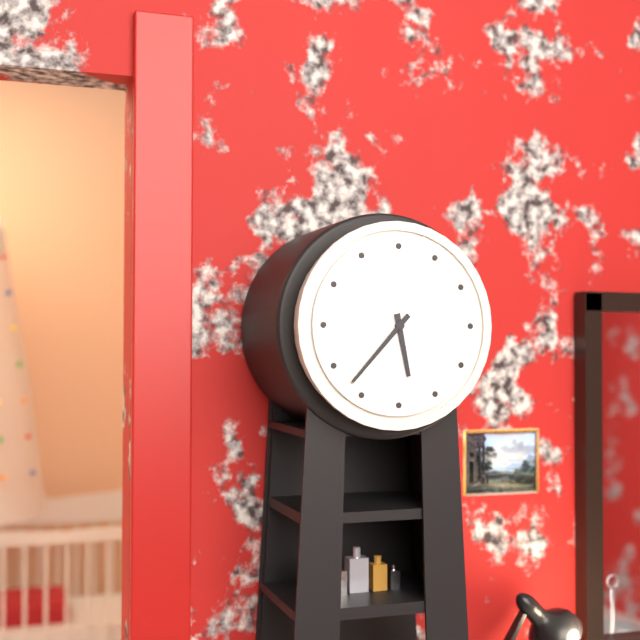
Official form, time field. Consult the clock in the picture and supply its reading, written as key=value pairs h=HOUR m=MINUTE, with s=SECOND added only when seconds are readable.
h=5 m=37
